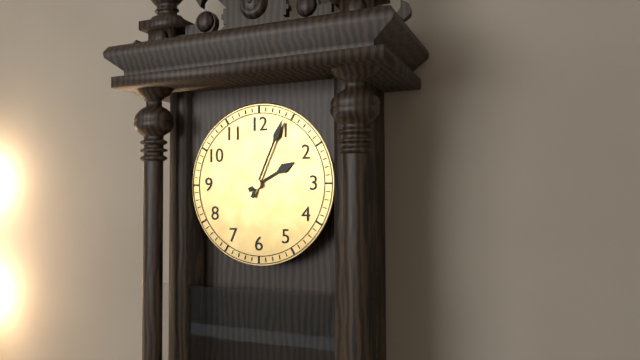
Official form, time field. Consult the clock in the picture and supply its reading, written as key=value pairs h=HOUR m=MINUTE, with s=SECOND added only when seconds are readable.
h=2 m=4
